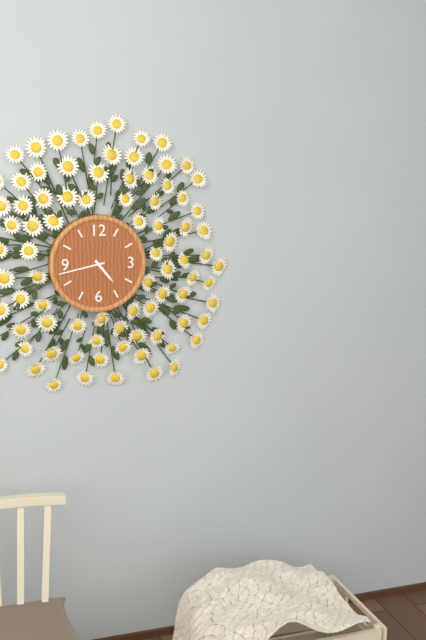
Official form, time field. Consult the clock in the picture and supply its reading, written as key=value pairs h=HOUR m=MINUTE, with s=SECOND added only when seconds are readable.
h=4 m=43
